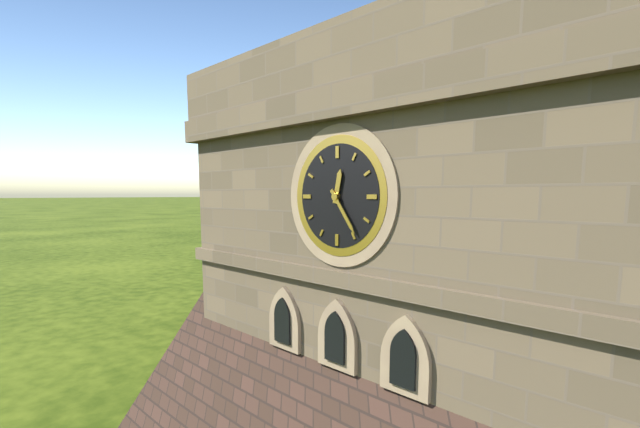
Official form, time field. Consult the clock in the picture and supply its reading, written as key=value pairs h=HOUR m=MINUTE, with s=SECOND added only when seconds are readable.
h=12 m=24
